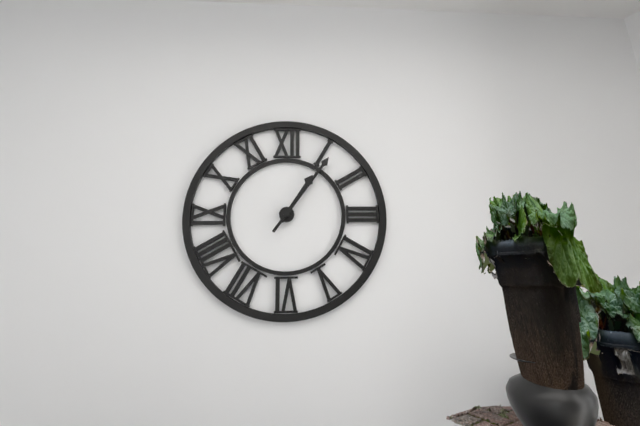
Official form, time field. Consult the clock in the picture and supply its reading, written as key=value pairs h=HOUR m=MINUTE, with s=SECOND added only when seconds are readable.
h=1 m=6
